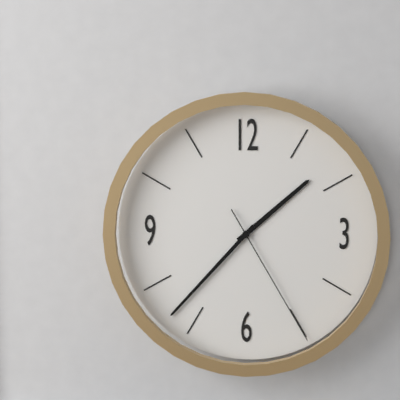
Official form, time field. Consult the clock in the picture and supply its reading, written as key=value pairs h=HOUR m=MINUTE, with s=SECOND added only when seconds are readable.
h=1 m=37 s=25
